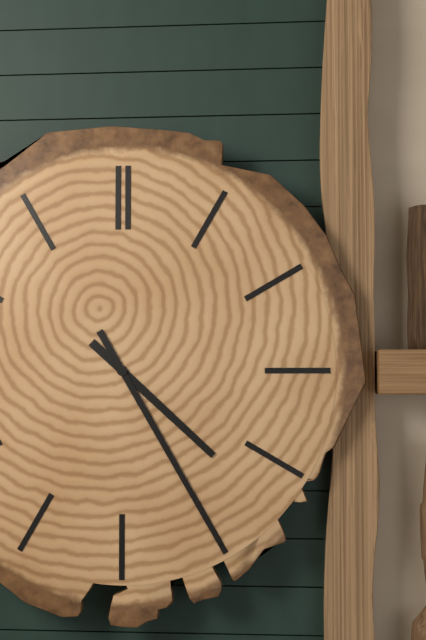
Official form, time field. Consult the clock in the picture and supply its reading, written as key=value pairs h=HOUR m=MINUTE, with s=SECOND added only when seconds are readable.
h=4 m=25
